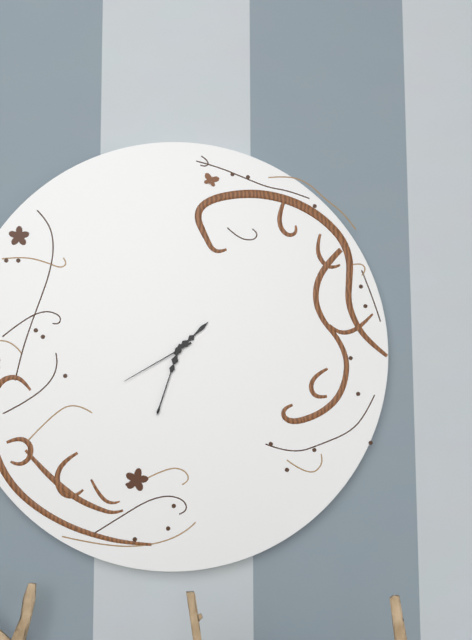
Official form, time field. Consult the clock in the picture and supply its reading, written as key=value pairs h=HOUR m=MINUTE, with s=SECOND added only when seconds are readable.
h=1 m=33 s=40
